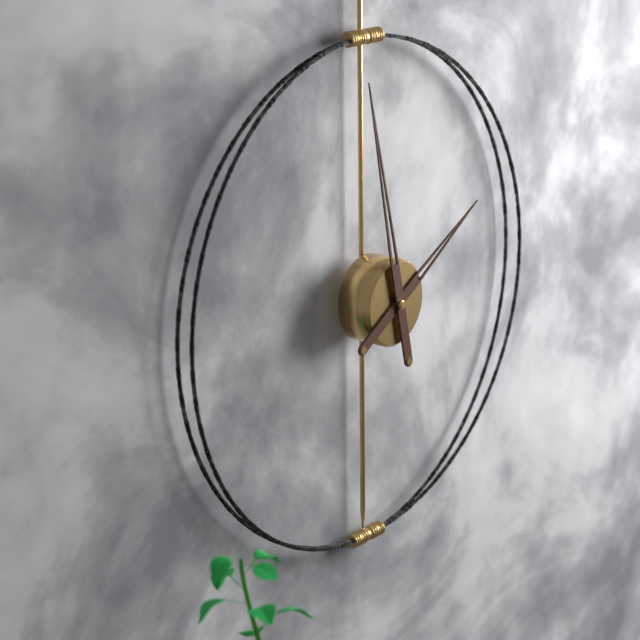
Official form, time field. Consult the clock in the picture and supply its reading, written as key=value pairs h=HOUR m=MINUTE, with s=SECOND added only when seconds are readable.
h=1 m=58
